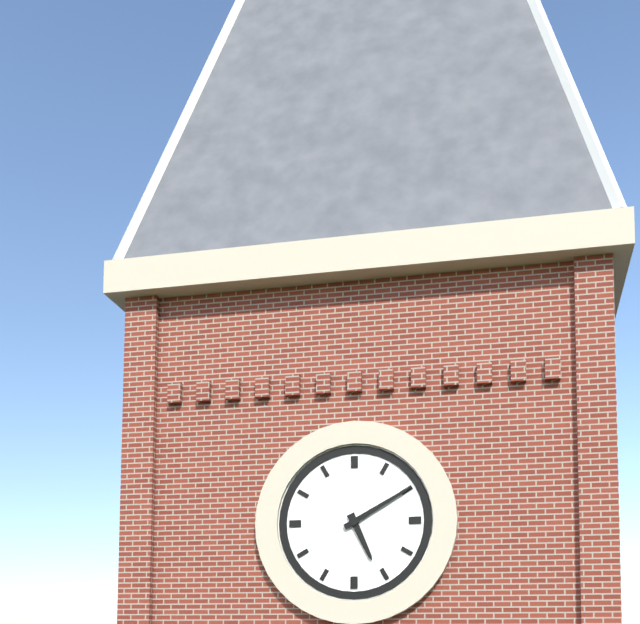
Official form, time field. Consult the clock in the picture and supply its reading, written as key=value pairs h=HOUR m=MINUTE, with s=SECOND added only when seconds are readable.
h=5 m=10
